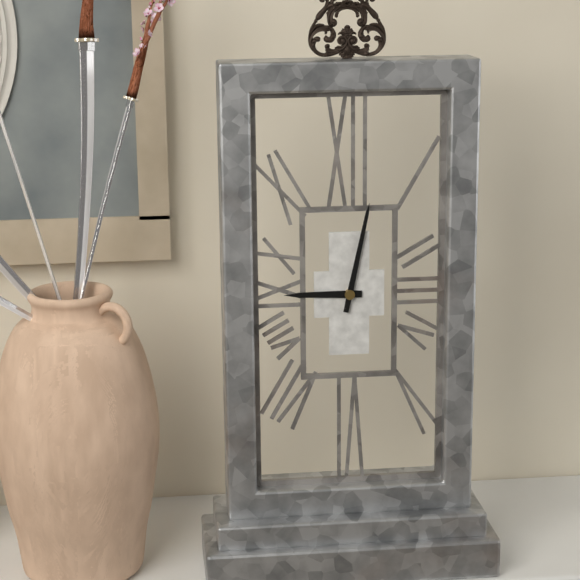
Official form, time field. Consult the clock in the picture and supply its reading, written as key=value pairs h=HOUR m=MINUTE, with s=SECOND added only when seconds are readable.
h=9 m=2
